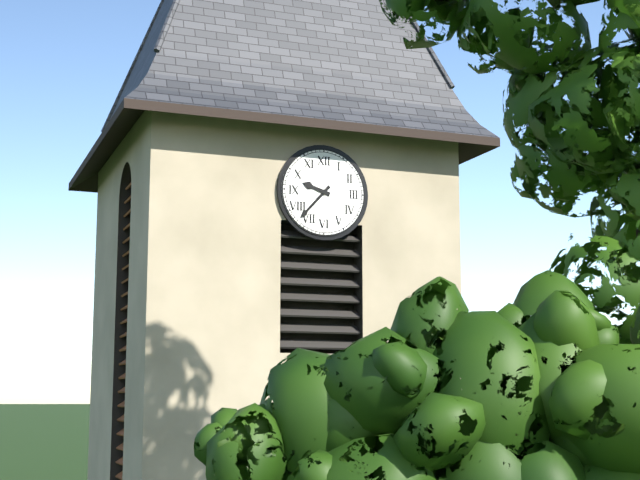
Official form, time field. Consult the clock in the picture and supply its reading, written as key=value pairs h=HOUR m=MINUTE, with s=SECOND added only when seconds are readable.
h=9 m=37
